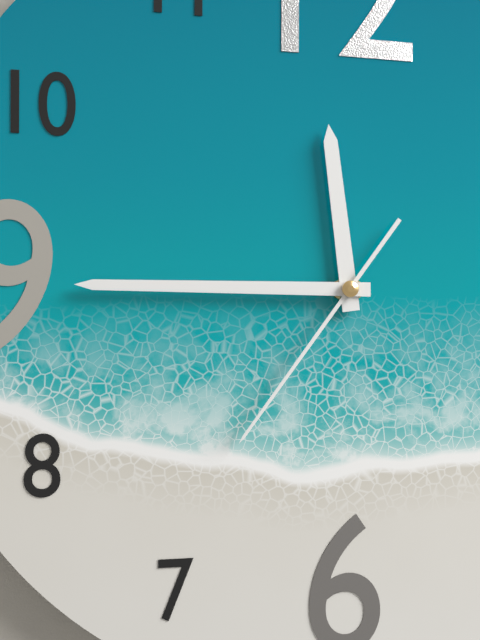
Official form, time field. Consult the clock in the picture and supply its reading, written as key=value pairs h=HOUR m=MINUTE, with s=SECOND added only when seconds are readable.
h=11 m=45 s=36
